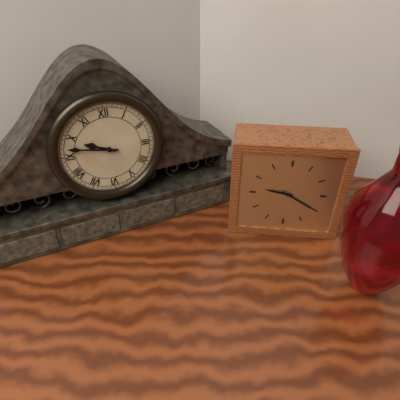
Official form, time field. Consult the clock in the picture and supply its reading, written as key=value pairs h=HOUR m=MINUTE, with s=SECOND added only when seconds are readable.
h=9 m=47
